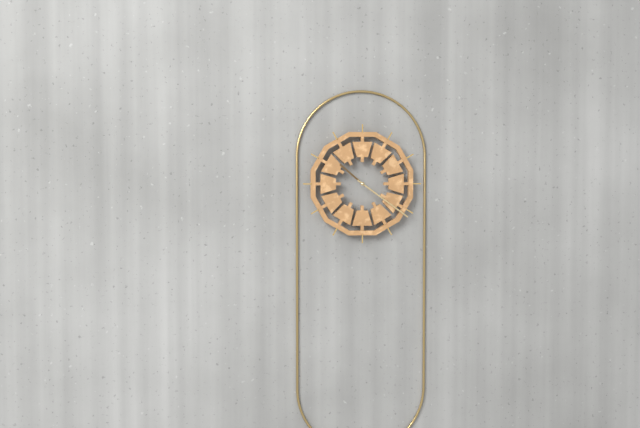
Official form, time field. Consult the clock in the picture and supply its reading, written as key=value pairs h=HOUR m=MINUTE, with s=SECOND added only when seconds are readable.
h=10 m=21
